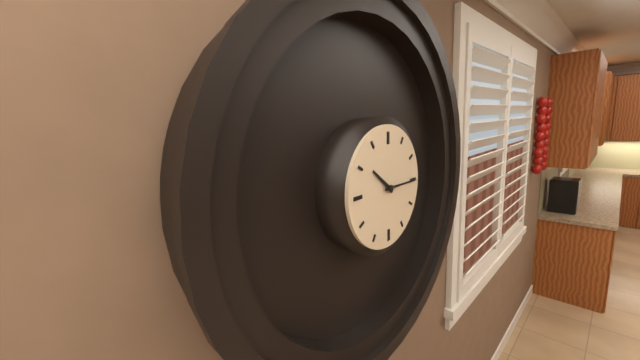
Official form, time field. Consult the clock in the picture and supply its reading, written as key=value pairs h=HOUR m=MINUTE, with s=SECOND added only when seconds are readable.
h=10 m=15
